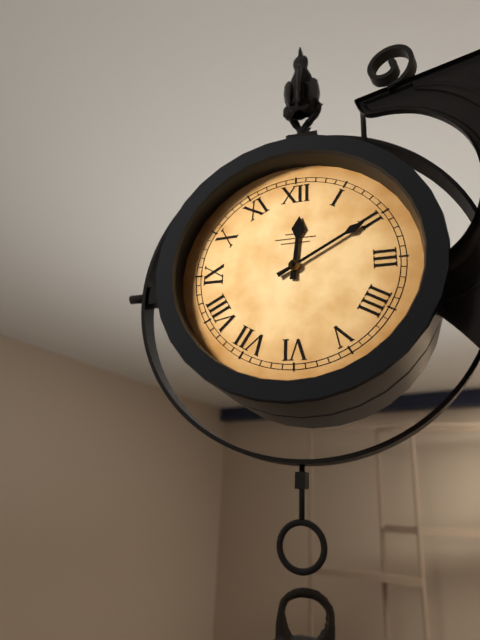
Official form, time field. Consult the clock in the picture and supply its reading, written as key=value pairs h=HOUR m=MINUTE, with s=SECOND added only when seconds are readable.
h=12 m=10
